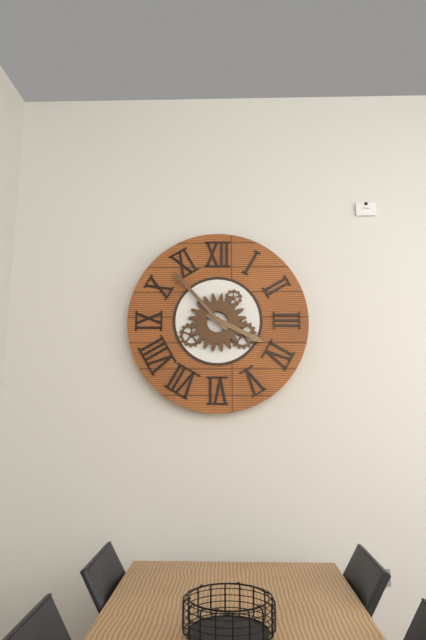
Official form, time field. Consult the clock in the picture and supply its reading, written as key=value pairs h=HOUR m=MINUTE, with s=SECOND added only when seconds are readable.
h=3 m=53
